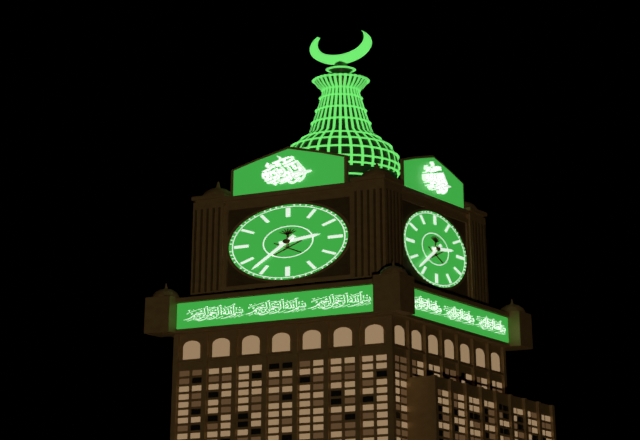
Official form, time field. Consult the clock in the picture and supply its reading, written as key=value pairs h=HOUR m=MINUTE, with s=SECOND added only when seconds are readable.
h=2 m=37
